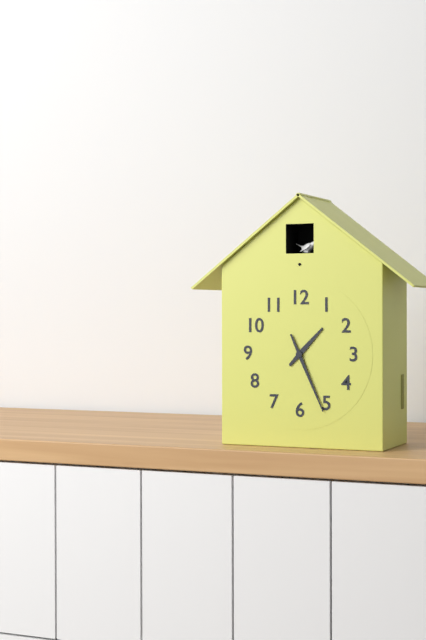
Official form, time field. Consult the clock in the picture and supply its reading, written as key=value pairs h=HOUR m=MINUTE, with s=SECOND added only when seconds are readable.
h=1 m=26
